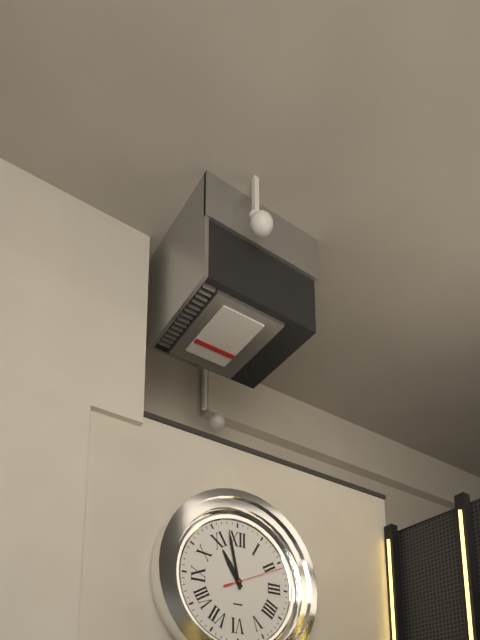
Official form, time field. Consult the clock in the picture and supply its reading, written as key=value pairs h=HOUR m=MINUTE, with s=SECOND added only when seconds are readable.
h=10 m=58 s=11
